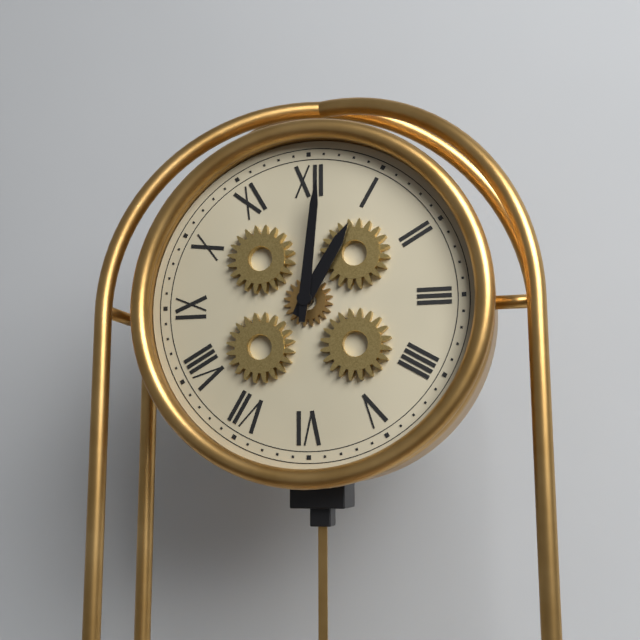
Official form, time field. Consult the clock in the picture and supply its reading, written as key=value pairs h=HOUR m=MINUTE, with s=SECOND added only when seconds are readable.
h=1 m=1
